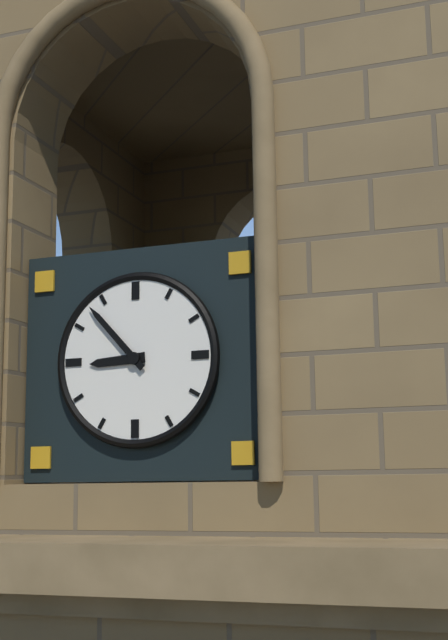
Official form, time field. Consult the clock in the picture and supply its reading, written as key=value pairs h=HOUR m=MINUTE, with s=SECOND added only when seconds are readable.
h=8 m=53
